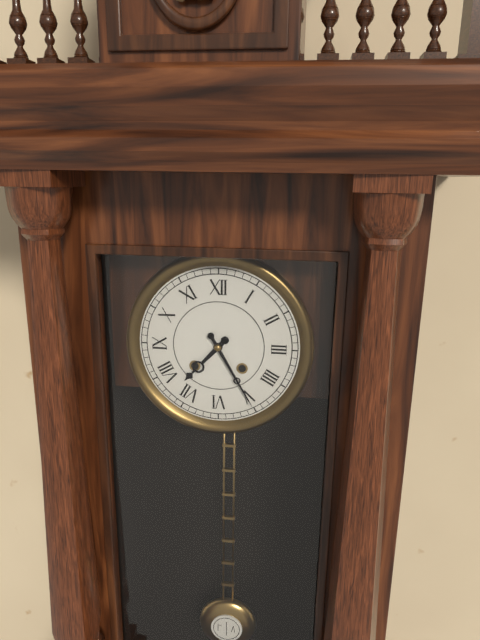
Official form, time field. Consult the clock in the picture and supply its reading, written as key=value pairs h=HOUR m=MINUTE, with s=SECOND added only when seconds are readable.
h=7 m=25
